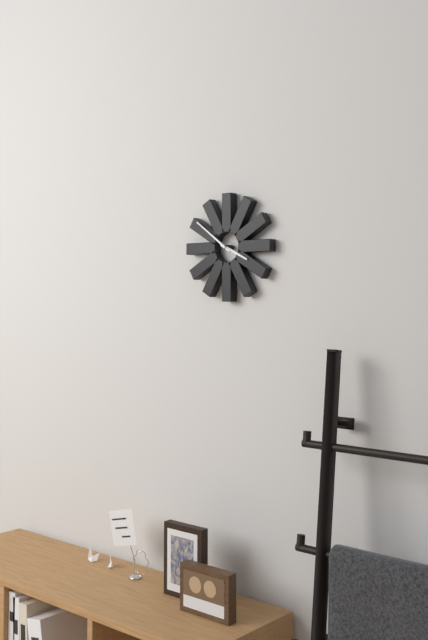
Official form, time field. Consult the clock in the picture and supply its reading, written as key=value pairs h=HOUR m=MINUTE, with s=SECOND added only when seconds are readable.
h=3 m=51
